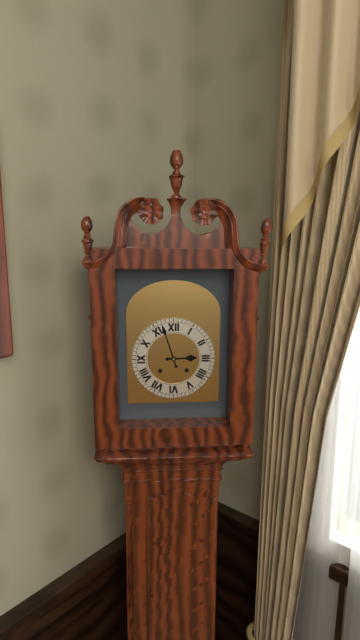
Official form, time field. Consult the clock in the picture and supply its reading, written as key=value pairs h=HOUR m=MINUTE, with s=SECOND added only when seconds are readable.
h=2 m=57
